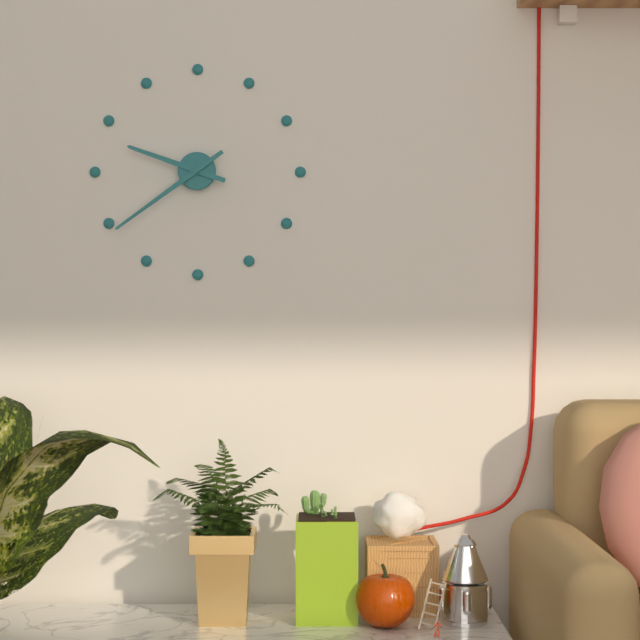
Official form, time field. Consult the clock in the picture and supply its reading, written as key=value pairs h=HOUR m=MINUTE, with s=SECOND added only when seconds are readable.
h=9 m=39
